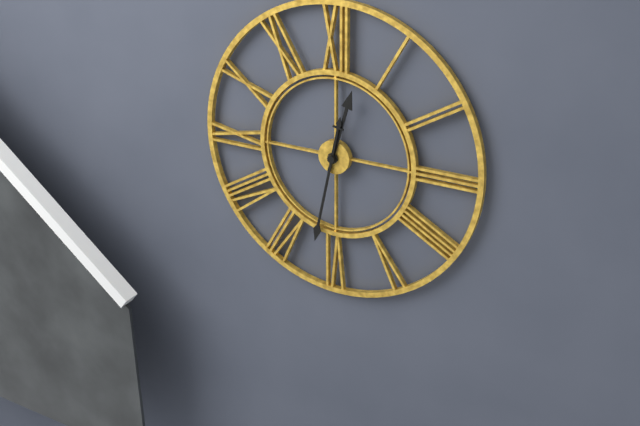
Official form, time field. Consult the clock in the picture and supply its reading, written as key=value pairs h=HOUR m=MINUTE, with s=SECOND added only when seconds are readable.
h=12 m=32
